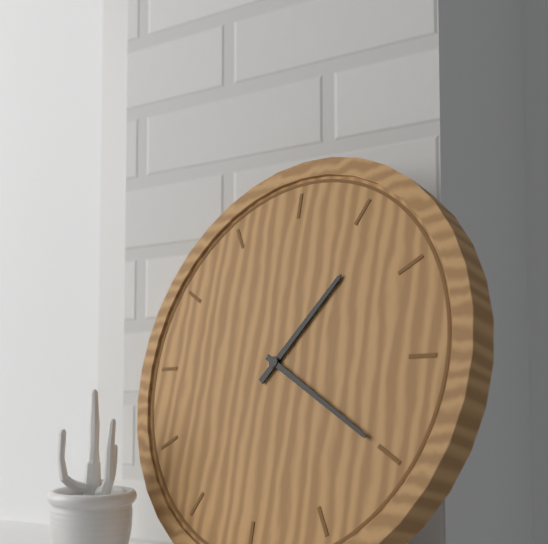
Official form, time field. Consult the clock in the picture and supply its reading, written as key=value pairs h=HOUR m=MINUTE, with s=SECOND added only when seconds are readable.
h=1 m=20
